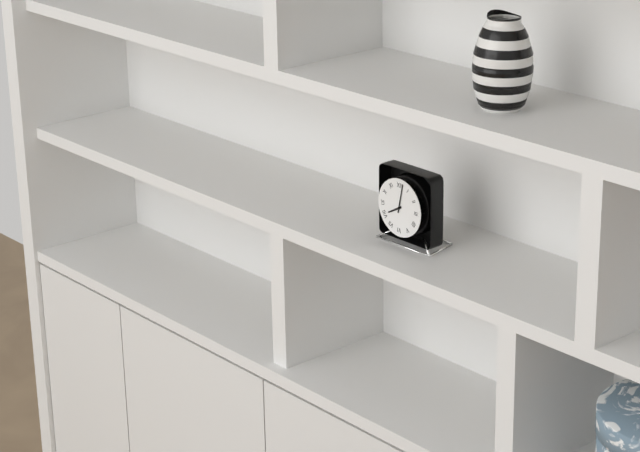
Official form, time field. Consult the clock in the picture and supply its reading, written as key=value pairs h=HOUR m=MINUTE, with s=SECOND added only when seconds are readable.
h=8 m=2
